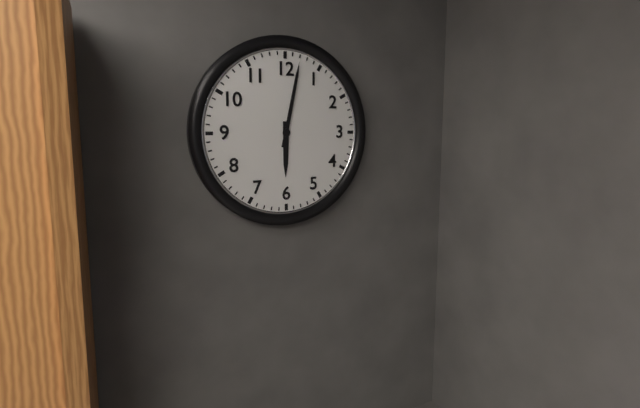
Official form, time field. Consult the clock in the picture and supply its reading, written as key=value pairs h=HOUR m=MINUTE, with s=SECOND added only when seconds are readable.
h=6 m=2
